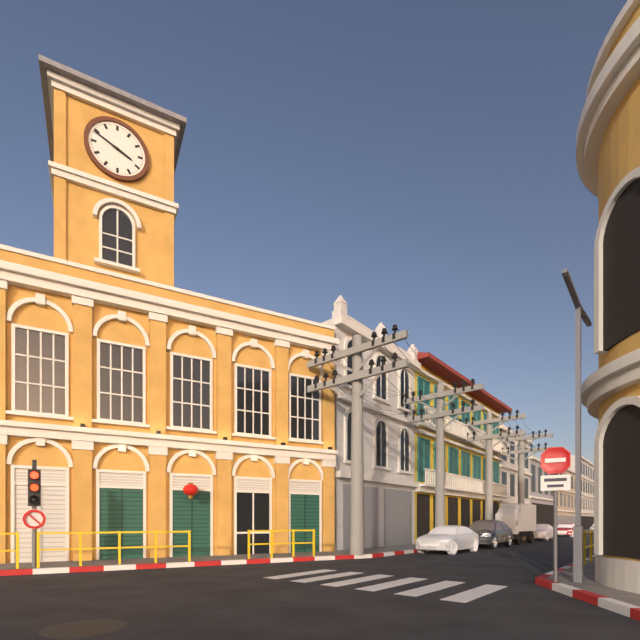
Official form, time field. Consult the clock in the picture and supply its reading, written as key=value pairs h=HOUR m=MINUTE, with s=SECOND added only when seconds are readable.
h=3 m=49
